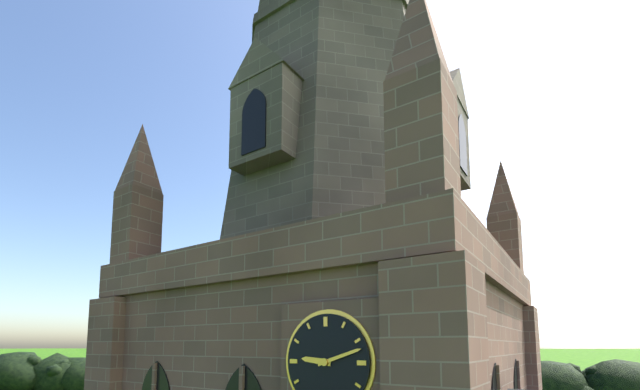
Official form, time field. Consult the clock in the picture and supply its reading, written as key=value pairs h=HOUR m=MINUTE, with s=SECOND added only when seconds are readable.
h=9 m=12
